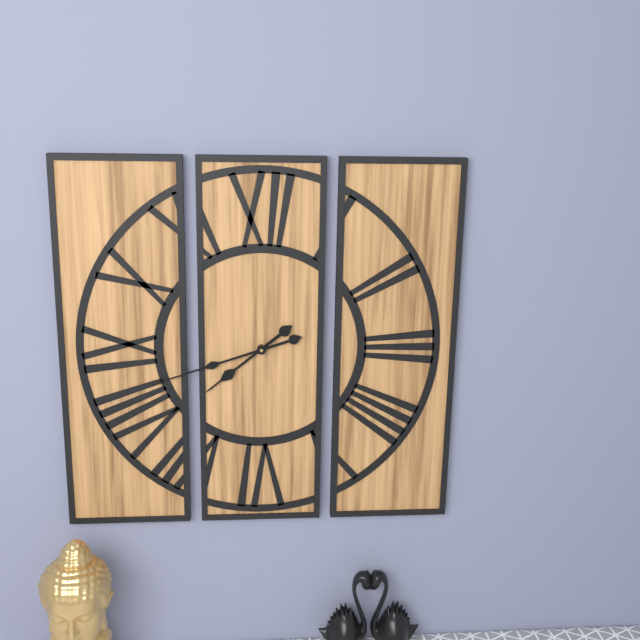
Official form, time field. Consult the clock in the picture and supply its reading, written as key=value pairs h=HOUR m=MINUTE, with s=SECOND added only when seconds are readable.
h=7 m=42
